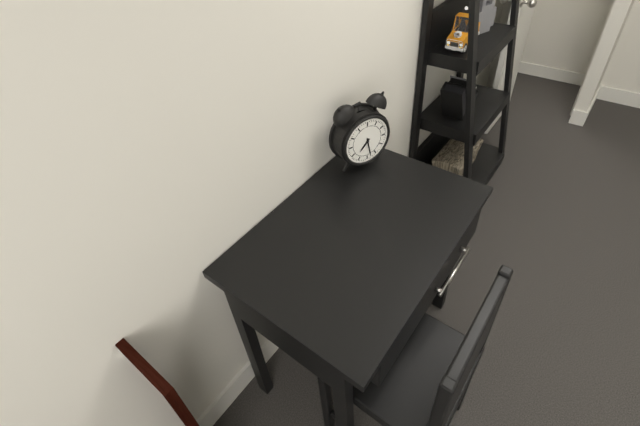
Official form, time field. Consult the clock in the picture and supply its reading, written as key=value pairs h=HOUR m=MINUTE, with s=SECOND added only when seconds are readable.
h=7 m=28
